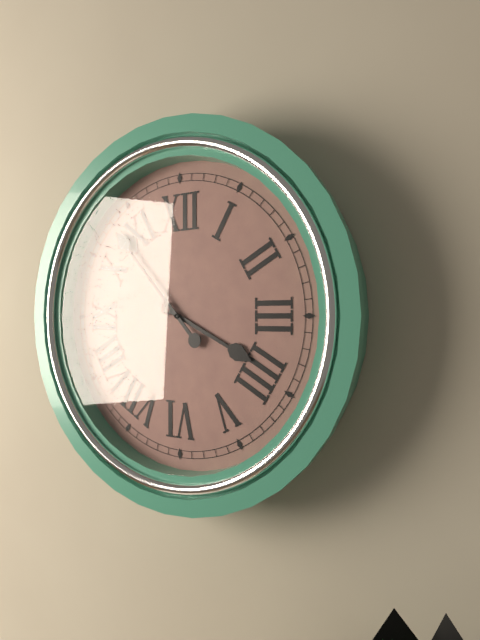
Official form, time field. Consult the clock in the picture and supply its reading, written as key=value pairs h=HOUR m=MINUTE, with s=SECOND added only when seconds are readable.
h=3 m=53
